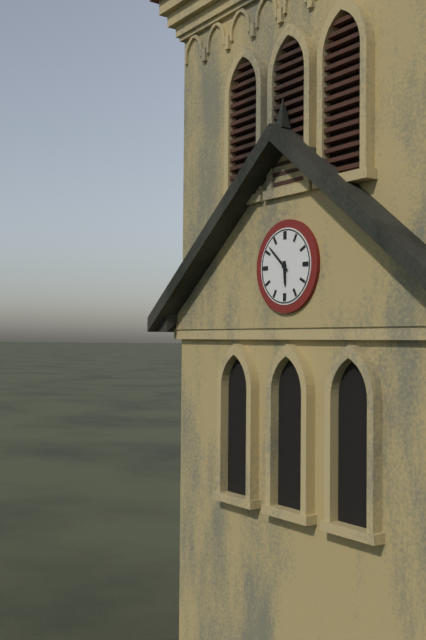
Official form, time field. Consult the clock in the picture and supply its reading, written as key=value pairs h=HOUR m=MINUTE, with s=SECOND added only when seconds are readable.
h=5 m=52
